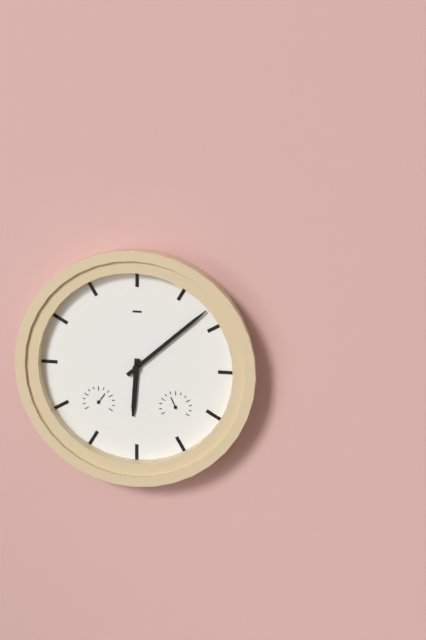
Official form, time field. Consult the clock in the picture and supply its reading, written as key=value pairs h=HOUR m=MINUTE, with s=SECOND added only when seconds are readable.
h=6 m=8
